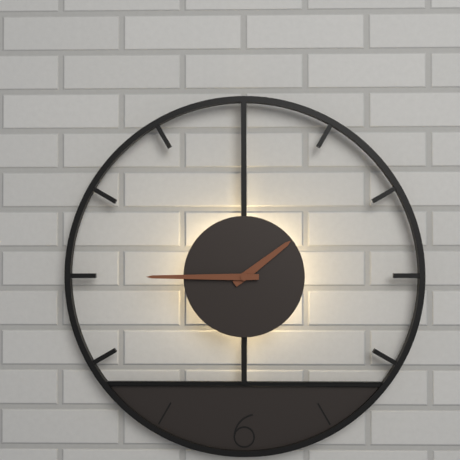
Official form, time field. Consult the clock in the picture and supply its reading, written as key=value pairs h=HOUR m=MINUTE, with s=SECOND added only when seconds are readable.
h=1 m=45
